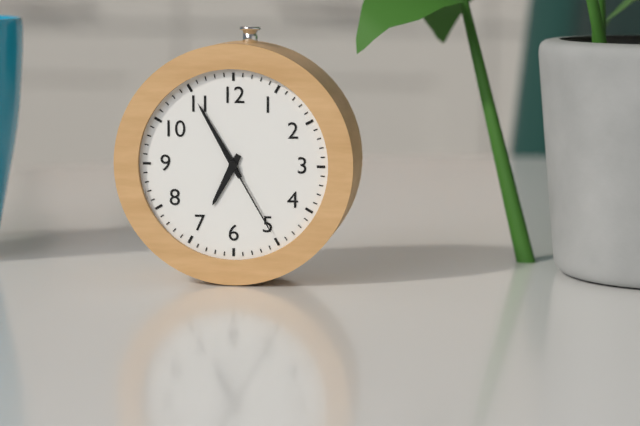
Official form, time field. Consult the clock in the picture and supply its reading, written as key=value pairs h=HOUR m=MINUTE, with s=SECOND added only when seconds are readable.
h=6 m=55 s=25
